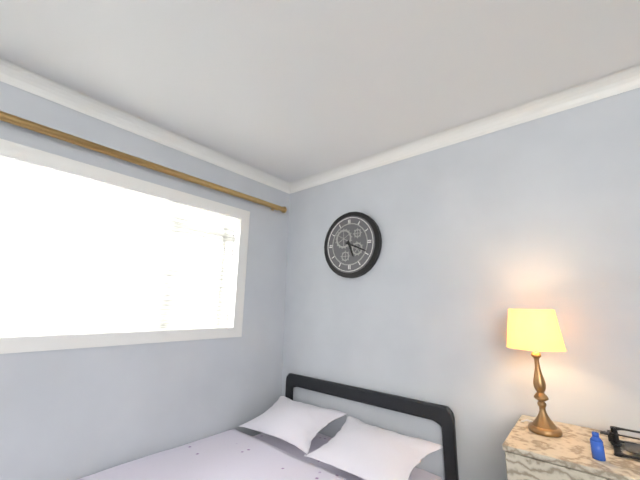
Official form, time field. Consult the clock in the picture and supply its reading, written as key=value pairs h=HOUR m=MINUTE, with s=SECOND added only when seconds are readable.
h=5 m=19
